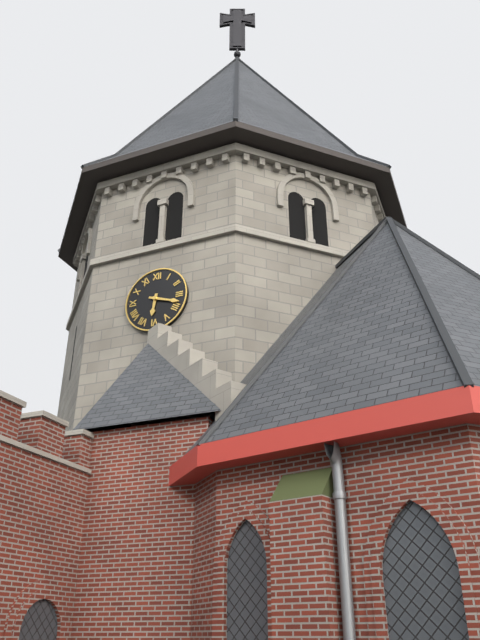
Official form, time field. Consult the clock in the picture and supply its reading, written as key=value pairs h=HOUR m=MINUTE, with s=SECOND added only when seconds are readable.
h=6 m=18
